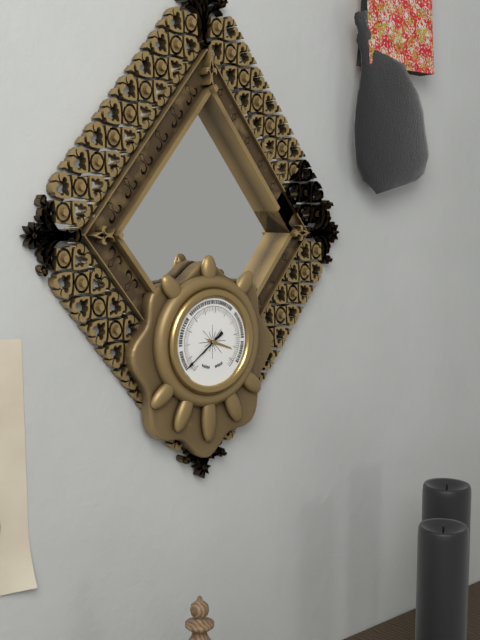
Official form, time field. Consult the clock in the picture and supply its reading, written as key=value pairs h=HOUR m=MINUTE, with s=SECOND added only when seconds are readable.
h=3 m=39
